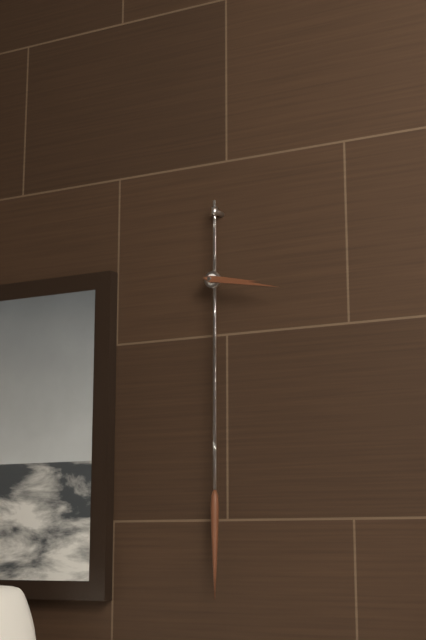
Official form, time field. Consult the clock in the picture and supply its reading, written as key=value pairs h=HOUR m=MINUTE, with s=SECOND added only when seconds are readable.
h=3 m=17
